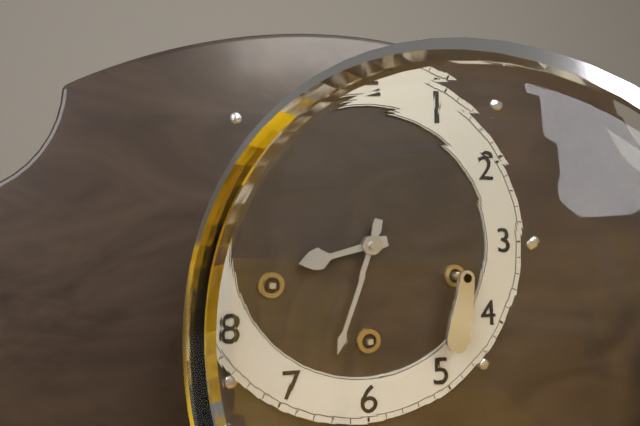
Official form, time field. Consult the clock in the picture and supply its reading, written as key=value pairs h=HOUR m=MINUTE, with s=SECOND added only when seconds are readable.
h=8 m=33
